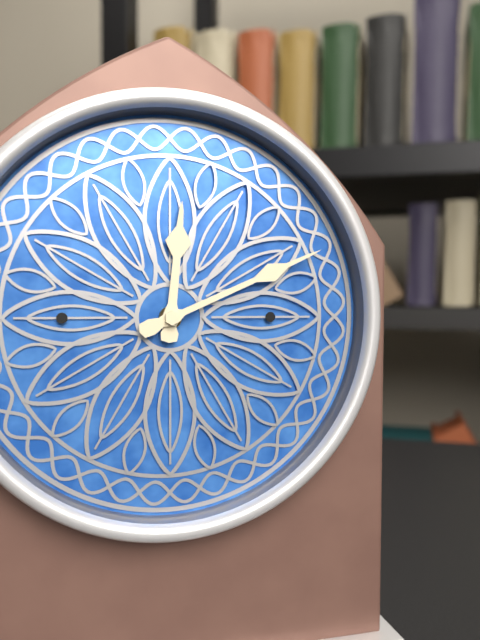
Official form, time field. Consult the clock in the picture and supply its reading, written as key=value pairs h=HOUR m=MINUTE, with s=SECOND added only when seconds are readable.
h=12 m=11
